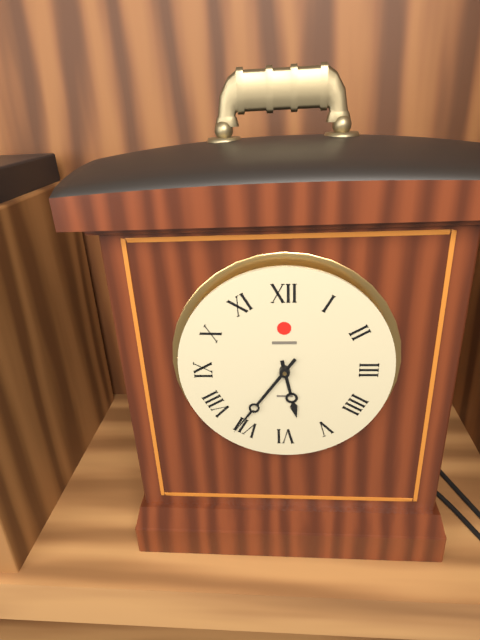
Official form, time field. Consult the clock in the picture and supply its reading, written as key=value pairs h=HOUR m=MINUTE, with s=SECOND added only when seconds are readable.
h=5 m=36
